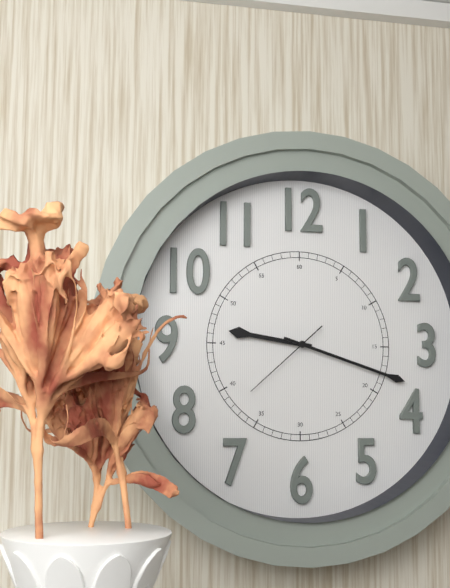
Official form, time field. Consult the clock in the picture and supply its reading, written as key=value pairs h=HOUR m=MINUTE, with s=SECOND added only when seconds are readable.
h=9 m=18 s=38
